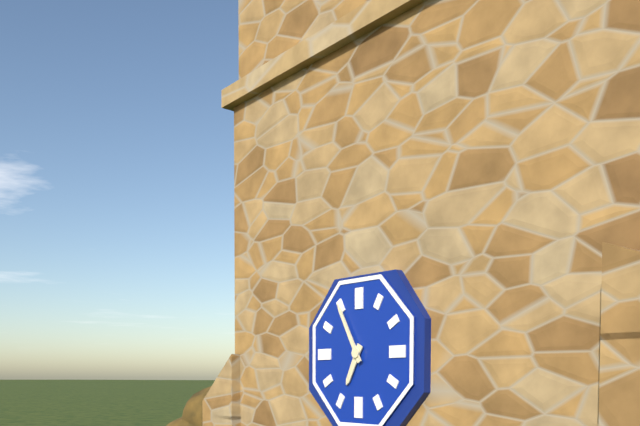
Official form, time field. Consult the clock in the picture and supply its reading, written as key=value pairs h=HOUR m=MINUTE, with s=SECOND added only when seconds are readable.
h=6 m=55
